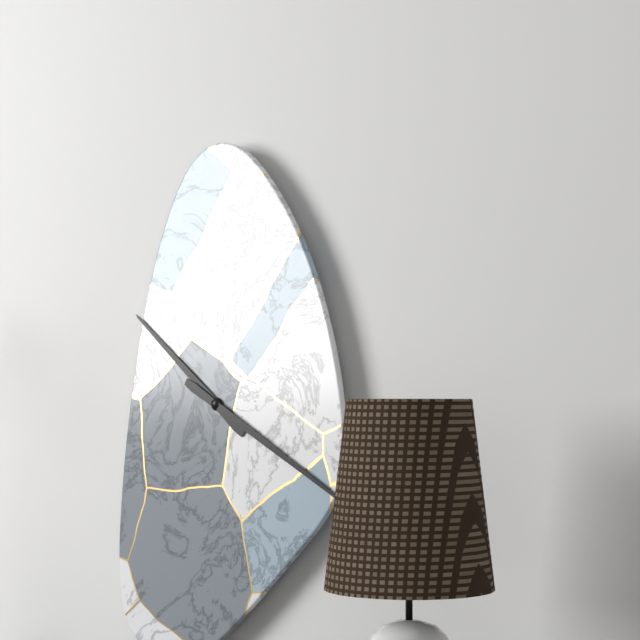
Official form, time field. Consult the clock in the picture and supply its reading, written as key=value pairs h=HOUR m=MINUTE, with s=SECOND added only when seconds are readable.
h=10 m=20
